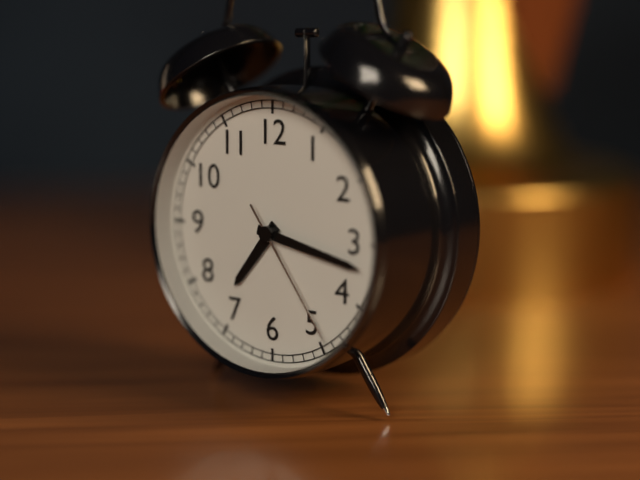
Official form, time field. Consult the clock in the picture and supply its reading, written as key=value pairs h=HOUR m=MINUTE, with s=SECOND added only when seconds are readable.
h=7 m=17 s=24
